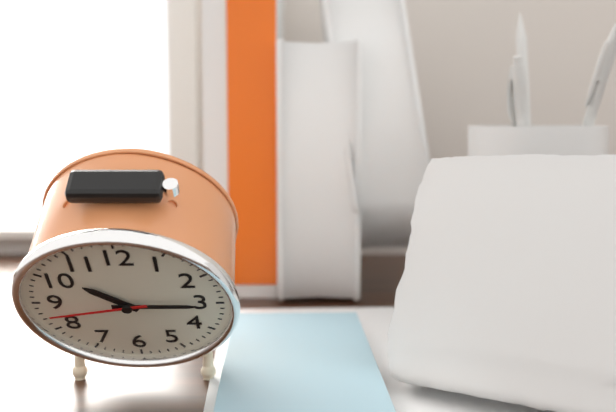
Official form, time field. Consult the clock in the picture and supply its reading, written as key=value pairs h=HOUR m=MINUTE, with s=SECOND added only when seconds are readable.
h=10 m=15 s=43
